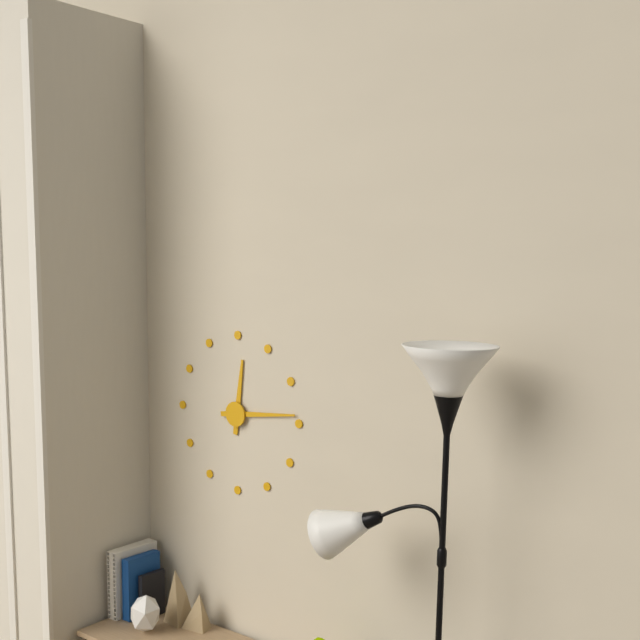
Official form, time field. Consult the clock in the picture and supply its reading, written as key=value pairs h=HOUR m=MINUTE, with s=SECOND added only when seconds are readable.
h=12 m=14
